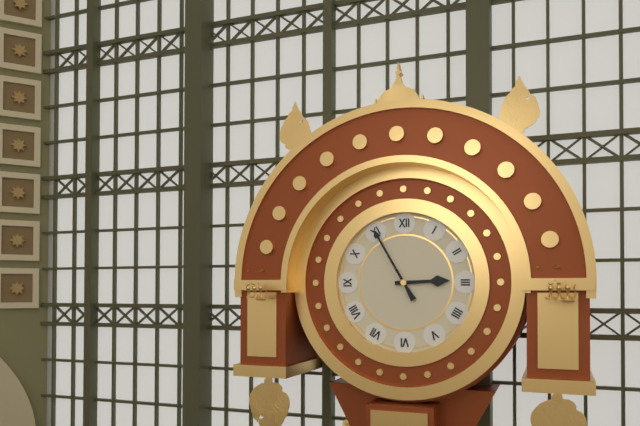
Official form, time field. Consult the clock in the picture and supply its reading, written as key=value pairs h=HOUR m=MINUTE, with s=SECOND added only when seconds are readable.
h=2 m=55
